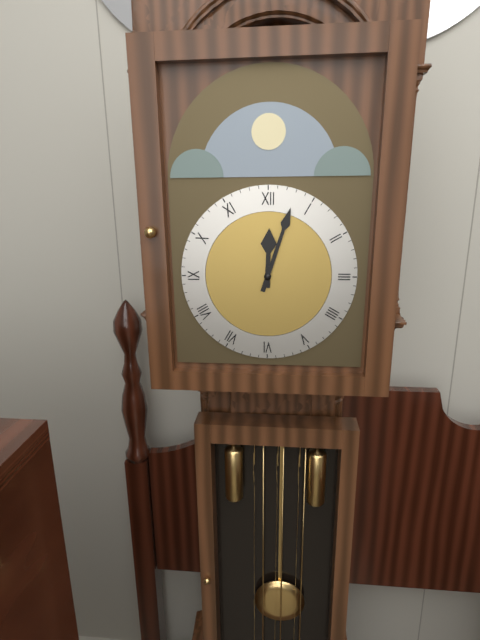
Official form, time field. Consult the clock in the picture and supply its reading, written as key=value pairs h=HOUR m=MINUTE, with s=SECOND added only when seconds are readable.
h=12 m=3
